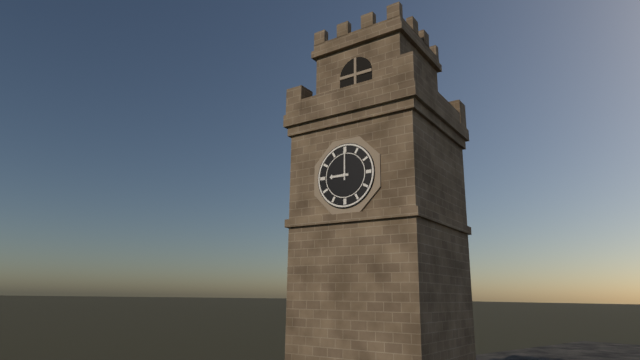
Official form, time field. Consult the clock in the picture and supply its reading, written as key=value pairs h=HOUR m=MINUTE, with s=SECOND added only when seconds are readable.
h=9 m=0
